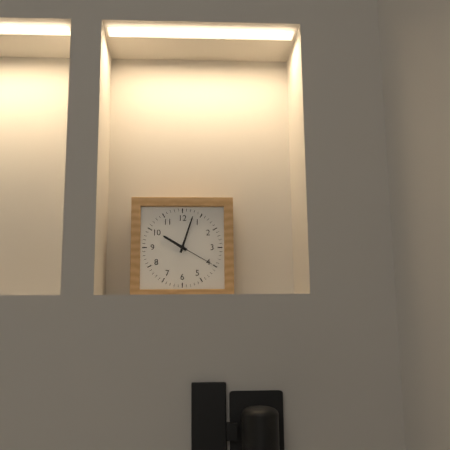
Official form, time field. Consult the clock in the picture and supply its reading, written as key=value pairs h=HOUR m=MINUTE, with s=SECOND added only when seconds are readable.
h=10 m=3
